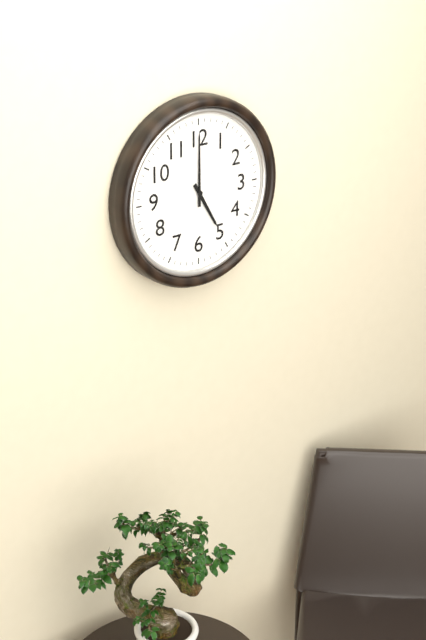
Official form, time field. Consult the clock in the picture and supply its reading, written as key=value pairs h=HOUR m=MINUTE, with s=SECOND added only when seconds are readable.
h=5 m=0
